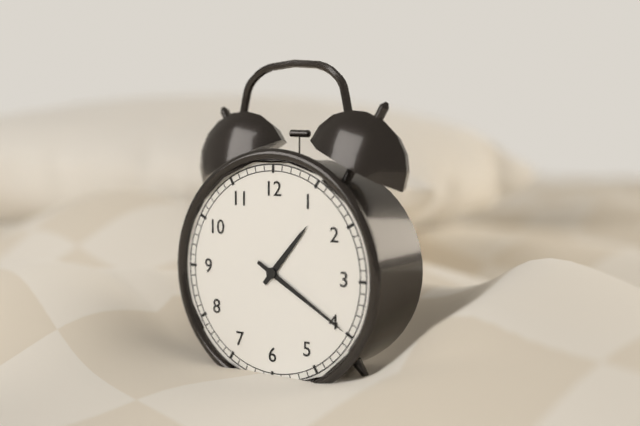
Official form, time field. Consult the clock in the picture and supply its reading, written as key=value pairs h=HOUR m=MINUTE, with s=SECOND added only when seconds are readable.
h=1 m=20
